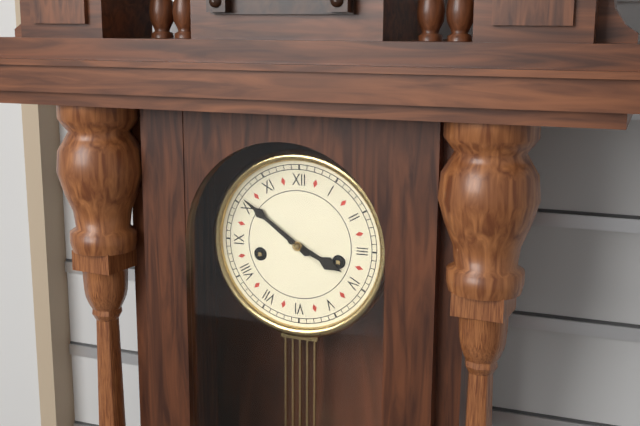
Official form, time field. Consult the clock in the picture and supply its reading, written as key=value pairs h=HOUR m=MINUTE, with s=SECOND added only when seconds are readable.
h=3 m=51
